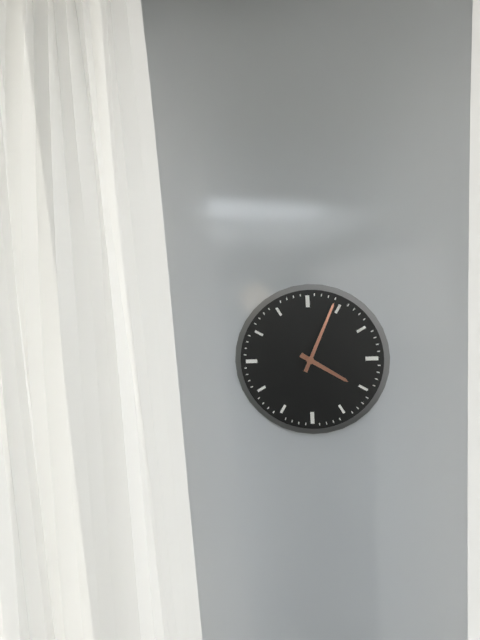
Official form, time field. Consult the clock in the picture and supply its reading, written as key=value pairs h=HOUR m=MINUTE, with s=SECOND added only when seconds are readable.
h=4 m=4
